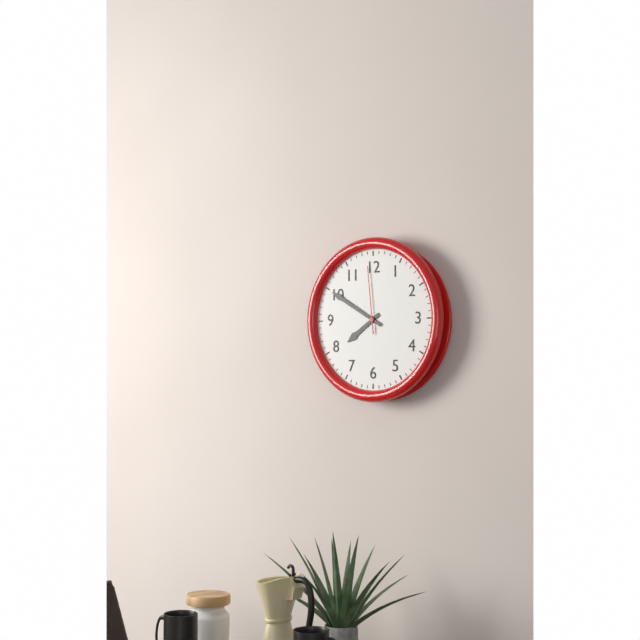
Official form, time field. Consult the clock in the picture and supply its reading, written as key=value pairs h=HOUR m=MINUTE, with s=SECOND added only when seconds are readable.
h=7 m=50 s=59
